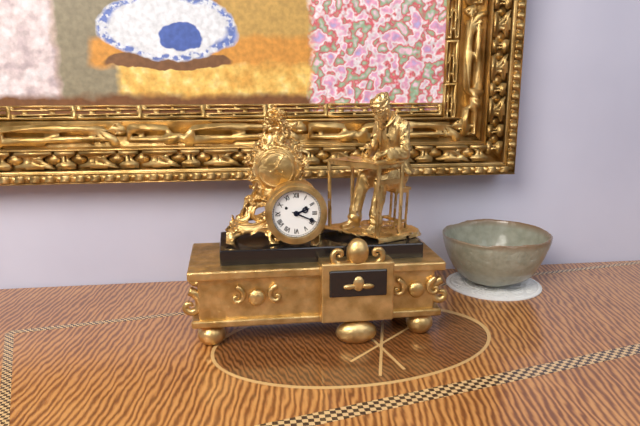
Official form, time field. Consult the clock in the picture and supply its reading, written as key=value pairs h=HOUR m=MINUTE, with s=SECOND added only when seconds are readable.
h=2 m=19
